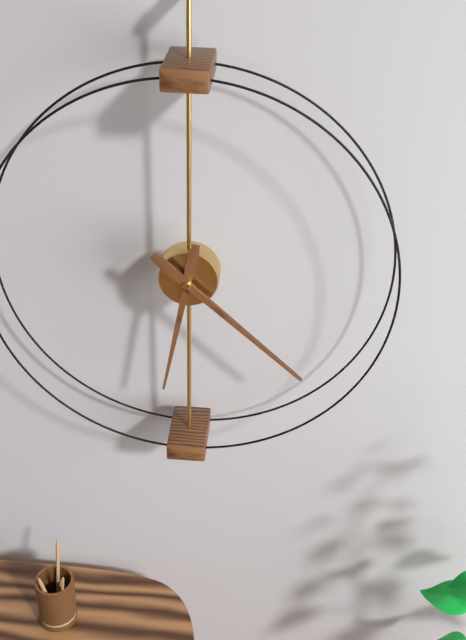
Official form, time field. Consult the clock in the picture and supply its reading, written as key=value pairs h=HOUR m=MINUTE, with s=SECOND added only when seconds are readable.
h=6 m=22
